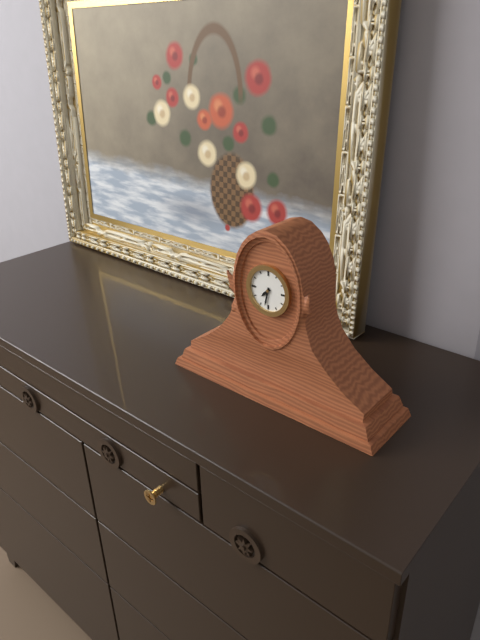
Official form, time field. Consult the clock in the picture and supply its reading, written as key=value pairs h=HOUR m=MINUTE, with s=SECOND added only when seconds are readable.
h=7 m=32
